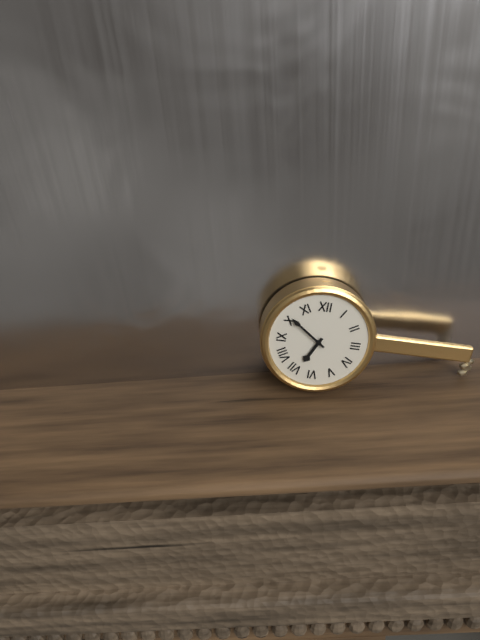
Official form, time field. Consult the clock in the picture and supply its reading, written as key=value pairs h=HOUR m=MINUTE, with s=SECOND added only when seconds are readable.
h=6 m=51
